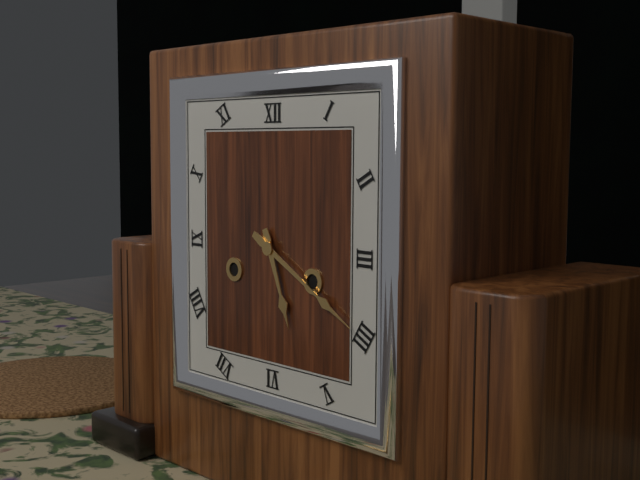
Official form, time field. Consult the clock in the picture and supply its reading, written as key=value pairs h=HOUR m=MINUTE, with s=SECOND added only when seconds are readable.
h=5 m=20
